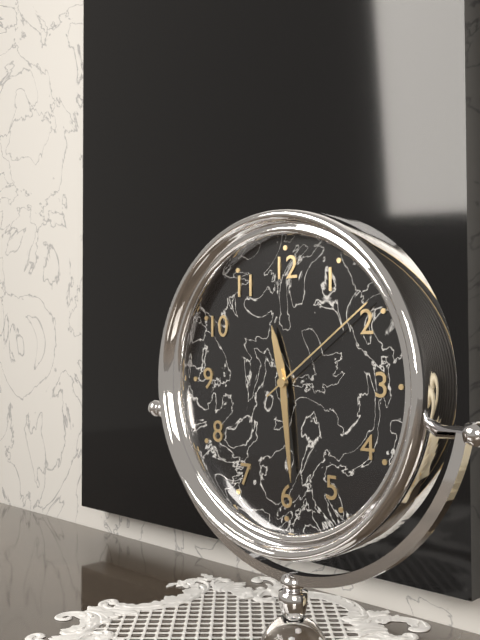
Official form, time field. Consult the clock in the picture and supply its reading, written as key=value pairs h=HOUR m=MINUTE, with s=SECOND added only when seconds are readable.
h=11 m=29 s=9
